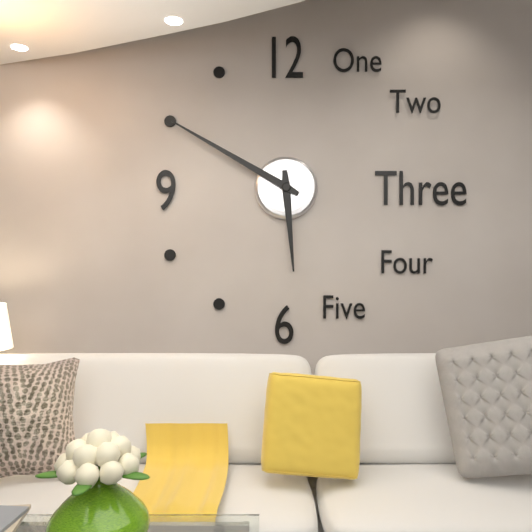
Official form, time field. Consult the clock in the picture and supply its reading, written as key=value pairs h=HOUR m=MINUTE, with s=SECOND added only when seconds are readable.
h=5 m=50
